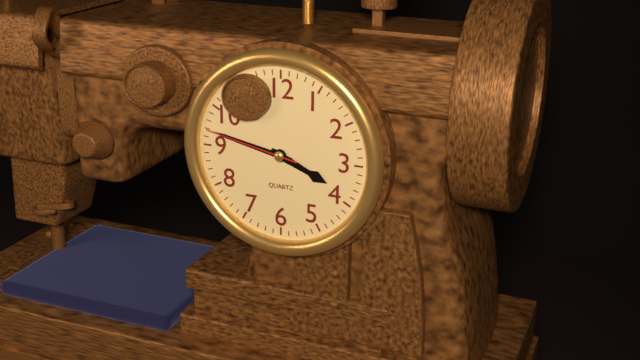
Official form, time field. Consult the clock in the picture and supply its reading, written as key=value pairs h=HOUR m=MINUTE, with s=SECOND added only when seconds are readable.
h=3 m=47 s=47
